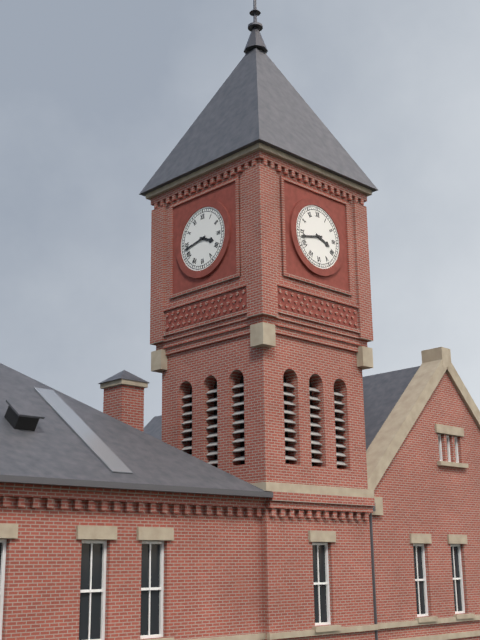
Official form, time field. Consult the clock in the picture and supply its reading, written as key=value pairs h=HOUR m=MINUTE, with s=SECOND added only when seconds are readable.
h=3 m=43
